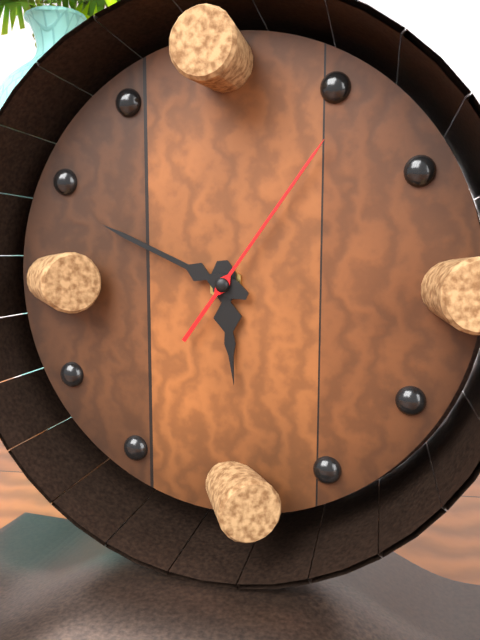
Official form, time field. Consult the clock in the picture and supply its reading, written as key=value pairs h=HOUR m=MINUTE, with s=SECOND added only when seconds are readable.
h=5 m=49 s=6
